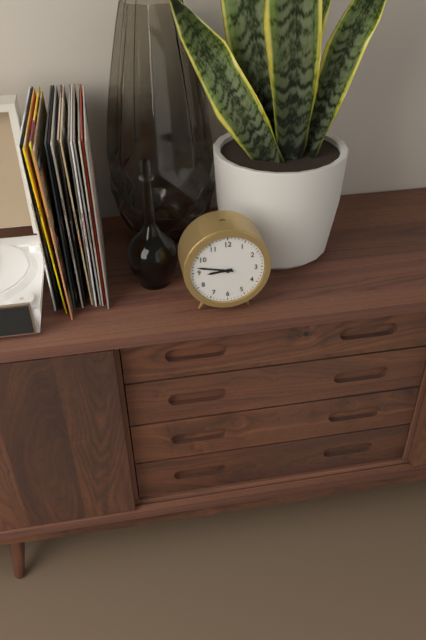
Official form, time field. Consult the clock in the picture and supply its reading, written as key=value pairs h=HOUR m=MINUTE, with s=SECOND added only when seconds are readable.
h=8 m=47
